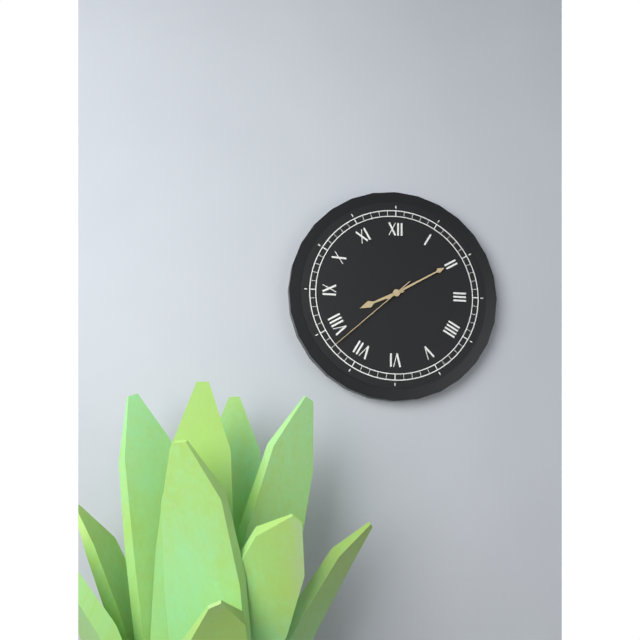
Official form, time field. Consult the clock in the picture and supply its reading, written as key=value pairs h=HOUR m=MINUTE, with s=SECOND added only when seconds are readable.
h=8 m=10 s=38
